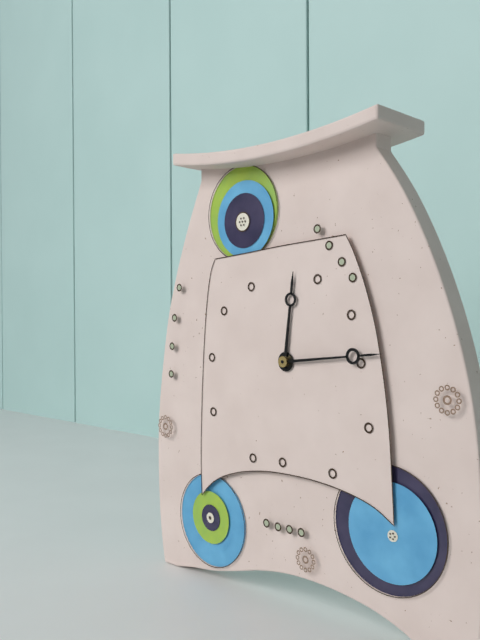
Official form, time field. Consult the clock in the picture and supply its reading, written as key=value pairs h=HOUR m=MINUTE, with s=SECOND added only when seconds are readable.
h=12 m=14
